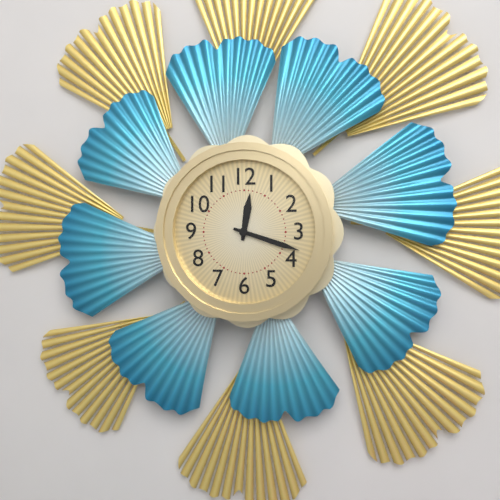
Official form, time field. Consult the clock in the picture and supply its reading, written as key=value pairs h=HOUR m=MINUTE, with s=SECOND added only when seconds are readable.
h=12 m=18
